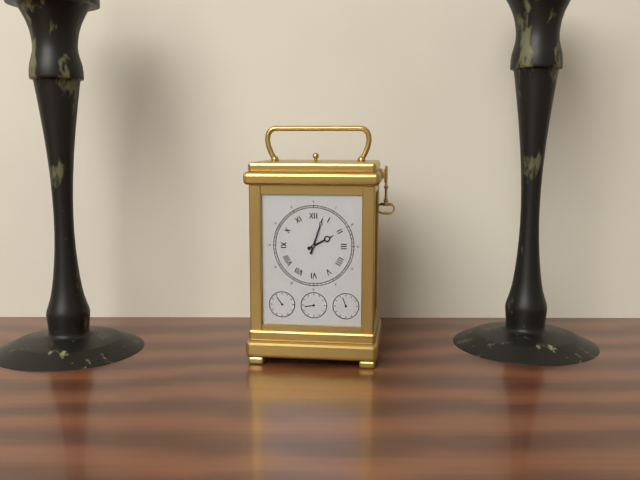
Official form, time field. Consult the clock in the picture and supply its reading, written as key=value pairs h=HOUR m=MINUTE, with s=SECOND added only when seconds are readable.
h=2 m=3
